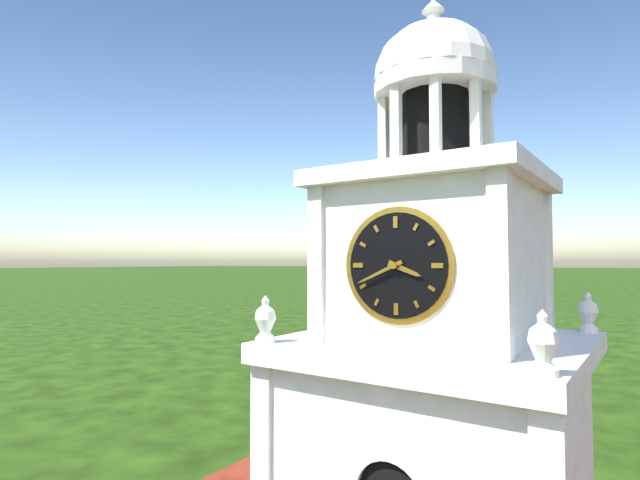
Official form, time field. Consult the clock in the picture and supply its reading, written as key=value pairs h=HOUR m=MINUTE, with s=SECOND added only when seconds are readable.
h=3 m=41
